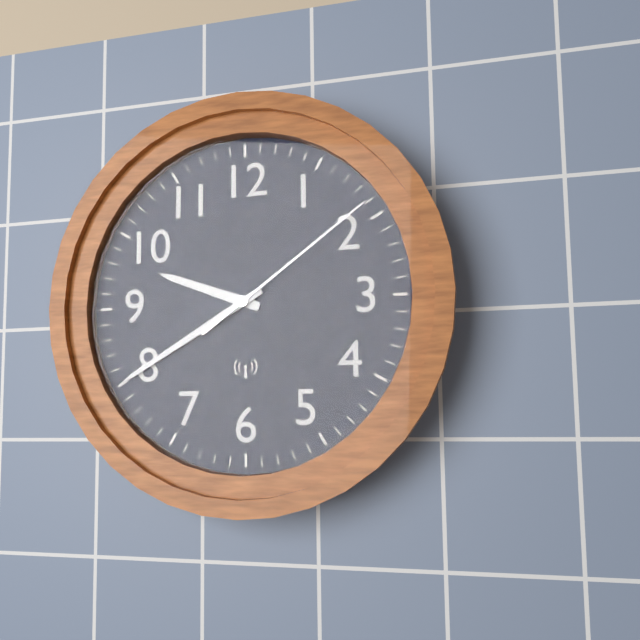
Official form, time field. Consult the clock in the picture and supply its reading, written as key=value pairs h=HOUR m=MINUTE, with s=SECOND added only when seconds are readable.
h=9 m=40 s=9
